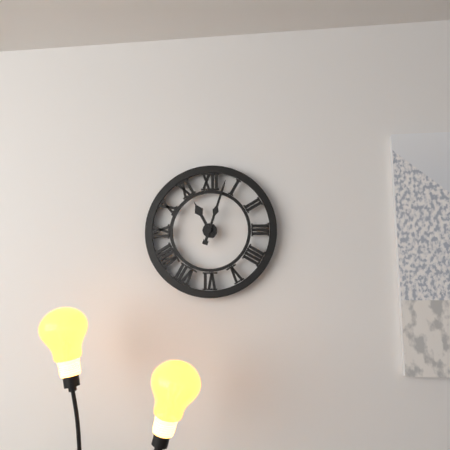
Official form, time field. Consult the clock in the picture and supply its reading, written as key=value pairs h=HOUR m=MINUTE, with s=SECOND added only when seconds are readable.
h=11 m=3
